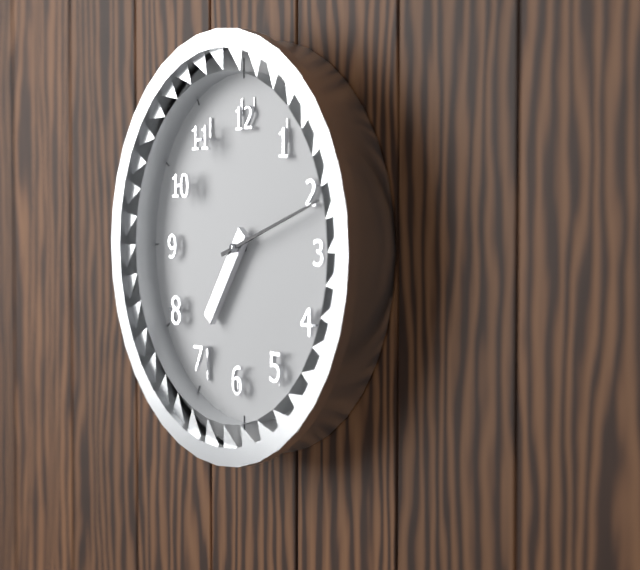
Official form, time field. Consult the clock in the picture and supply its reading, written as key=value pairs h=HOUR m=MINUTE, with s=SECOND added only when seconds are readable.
h=7 m=12
